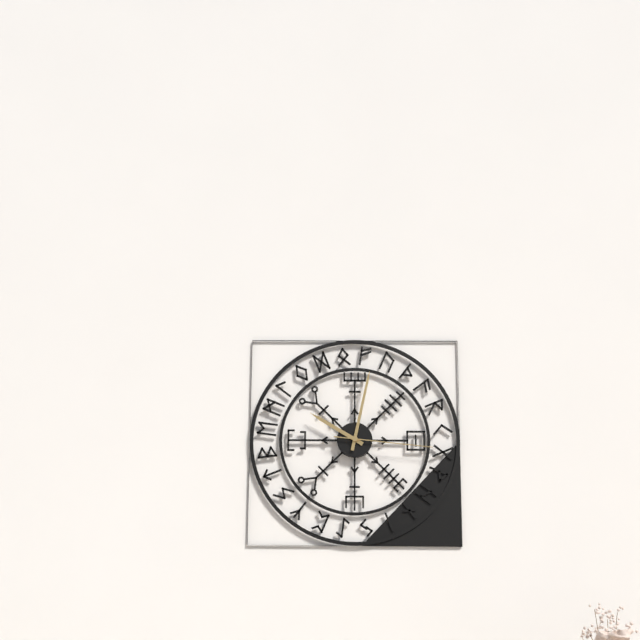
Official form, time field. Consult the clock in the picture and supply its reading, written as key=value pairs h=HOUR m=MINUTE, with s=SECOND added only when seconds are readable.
h=10 m=2 s=16
